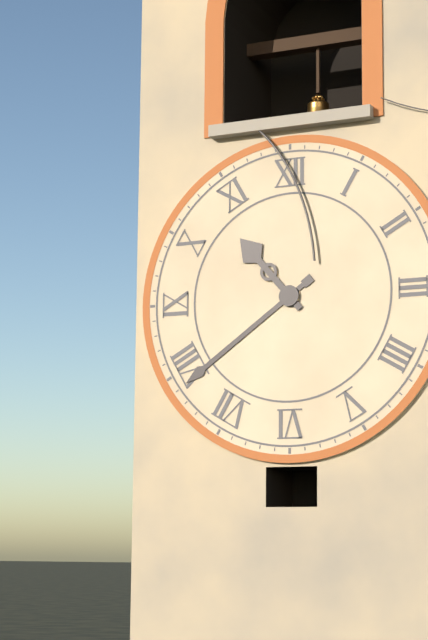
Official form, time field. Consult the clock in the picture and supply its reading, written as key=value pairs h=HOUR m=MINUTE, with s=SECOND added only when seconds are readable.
h=10 m=39
